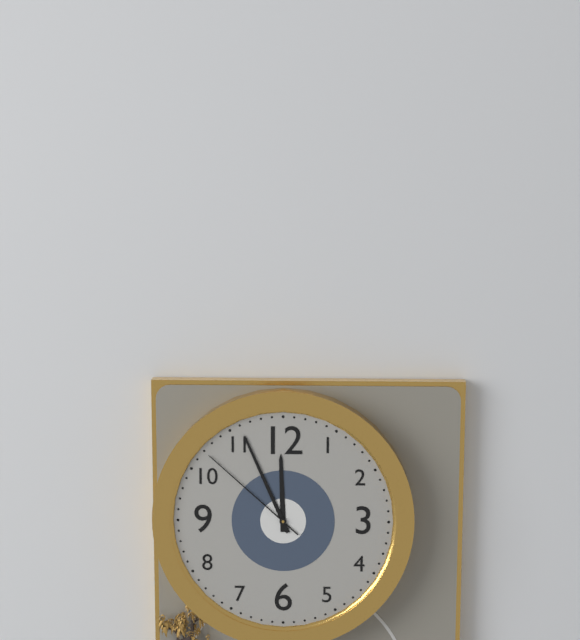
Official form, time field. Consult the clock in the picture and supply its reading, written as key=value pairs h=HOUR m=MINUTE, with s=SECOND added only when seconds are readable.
h=11 m=56 s=52
